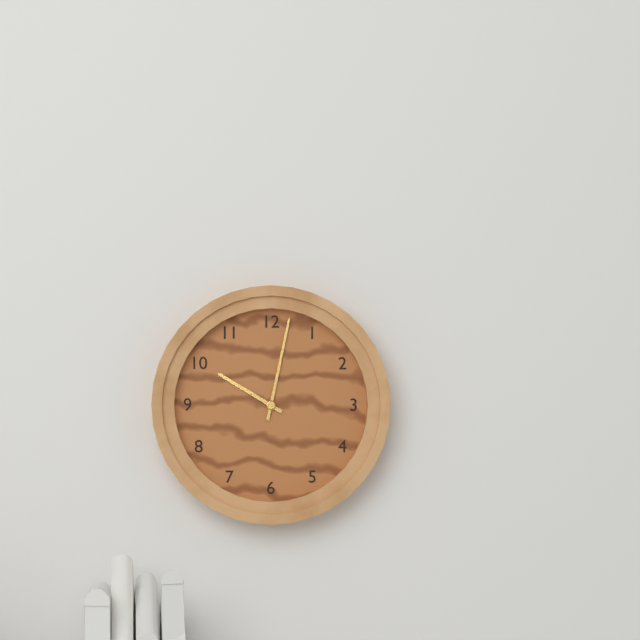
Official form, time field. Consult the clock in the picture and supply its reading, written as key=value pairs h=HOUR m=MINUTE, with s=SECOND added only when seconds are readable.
h=10 m=2
